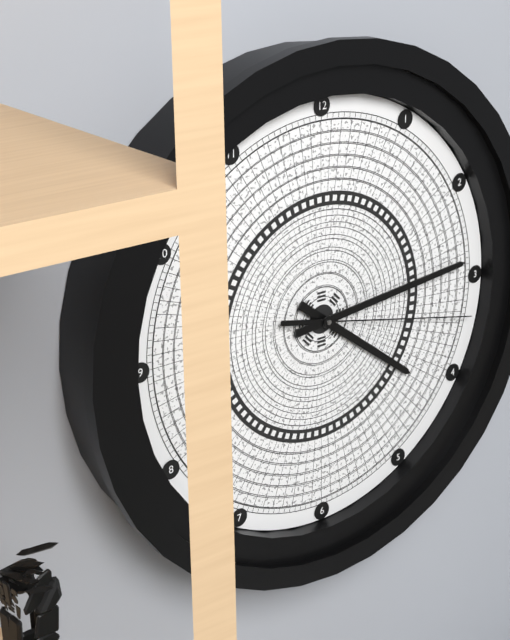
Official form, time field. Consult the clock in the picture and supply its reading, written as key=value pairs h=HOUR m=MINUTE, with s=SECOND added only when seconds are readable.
h=4 m=14 s=17
